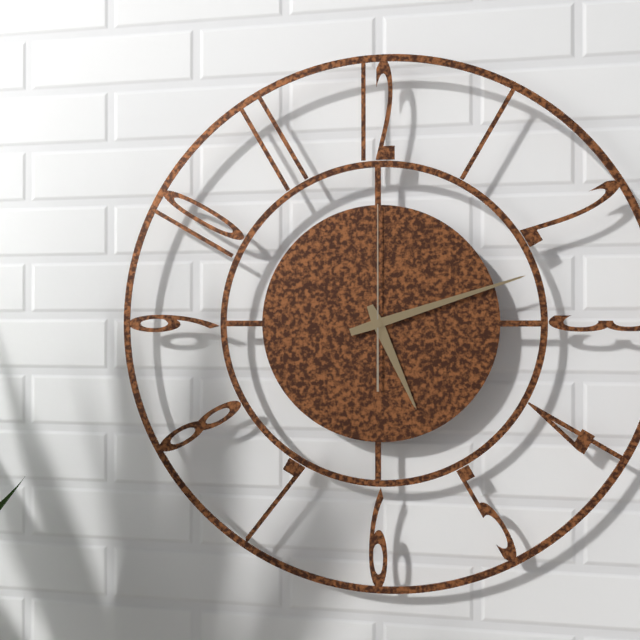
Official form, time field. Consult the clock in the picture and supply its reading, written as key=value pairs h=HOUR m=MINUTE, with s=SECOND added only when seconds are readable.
h=5 m=12 s=0
